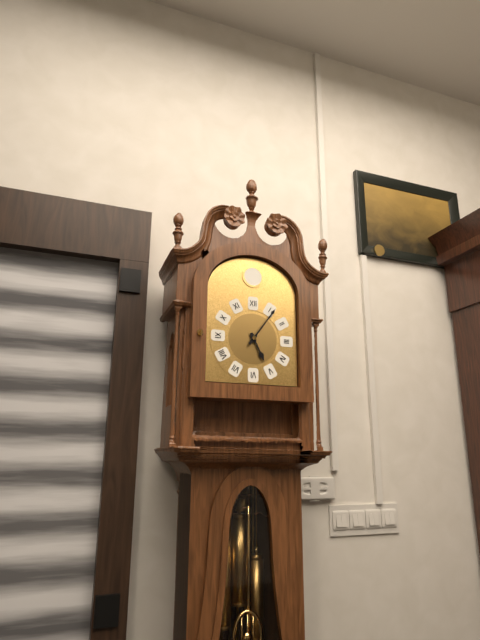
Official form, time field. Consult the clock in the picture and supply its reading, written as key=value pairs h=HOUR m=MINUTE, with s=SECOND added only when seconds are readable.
h=5 m=6
